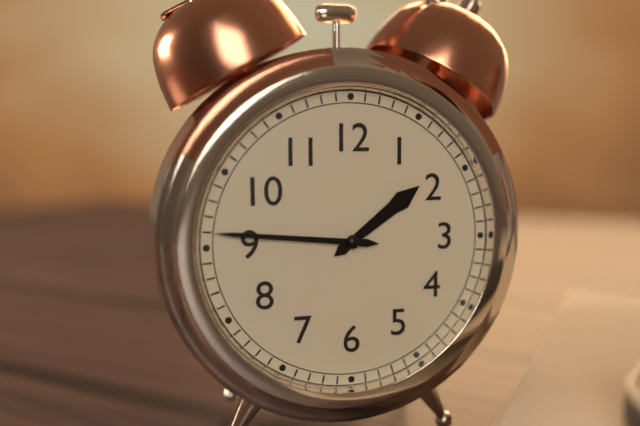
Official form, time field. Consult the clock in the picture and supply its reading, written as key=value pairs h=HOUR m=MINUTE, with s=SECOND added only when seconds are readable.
h=1 m=46
